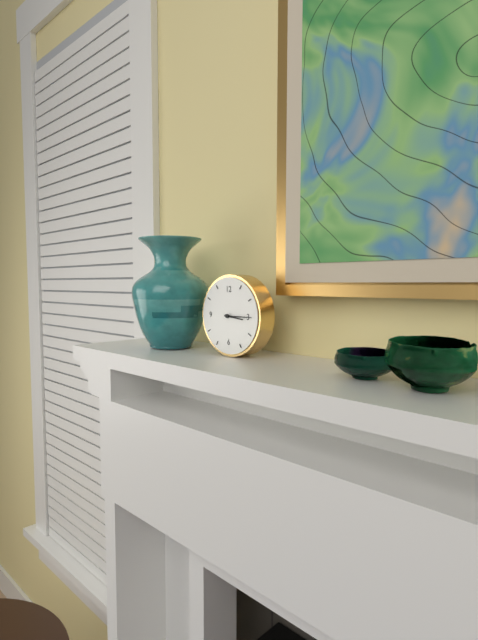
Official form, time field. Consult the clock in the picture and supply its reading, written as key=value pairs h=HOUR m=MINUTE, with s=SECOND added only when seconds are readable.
h=3 m=15
